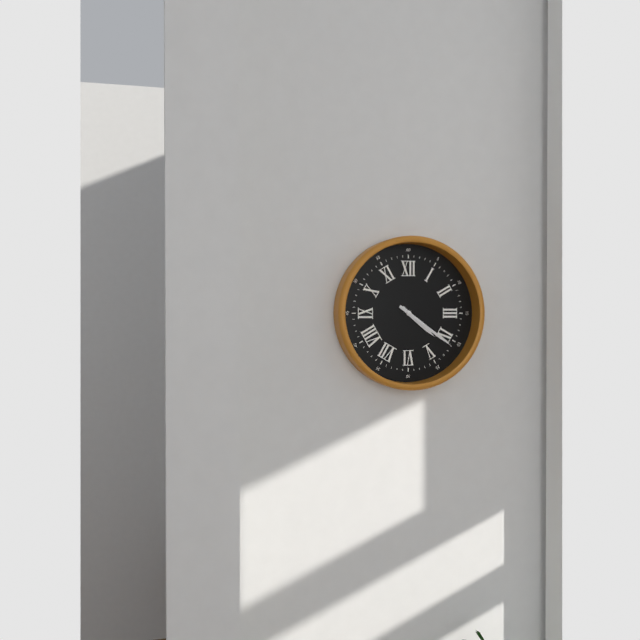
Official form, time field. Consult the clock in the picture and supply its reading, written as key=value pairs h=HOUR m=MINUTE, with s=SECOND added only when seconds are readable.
h=4 m=21
